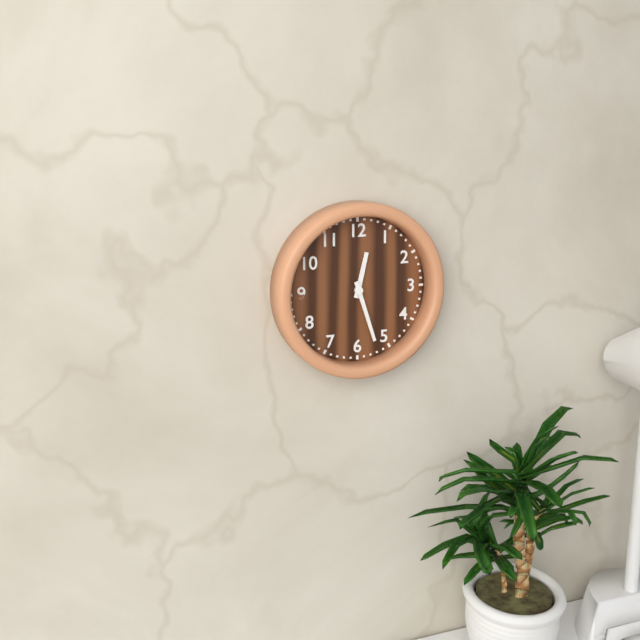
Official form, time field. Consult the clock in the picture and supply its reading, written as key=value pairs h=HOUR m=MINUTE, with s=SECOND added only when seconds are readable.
h=12 m=27
